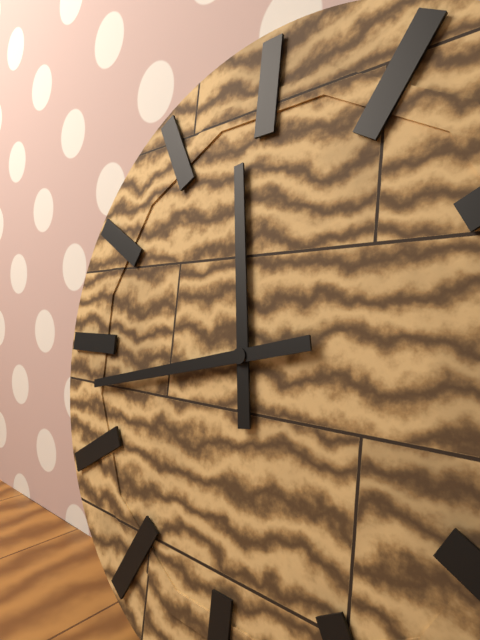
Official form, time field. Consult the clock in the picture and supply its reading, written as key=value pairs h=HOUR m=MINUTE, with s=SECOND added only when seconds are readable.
h=11 m=43
